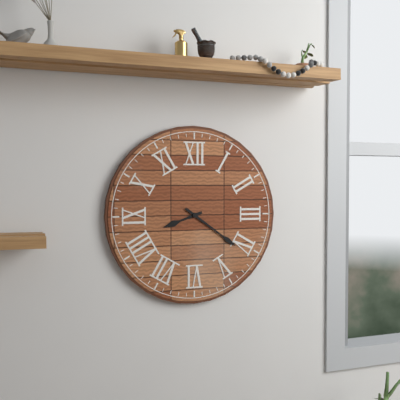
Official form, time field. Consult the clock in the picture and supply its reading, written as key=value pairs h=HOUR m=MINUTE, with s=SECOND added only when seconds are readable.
h=8 m=21
